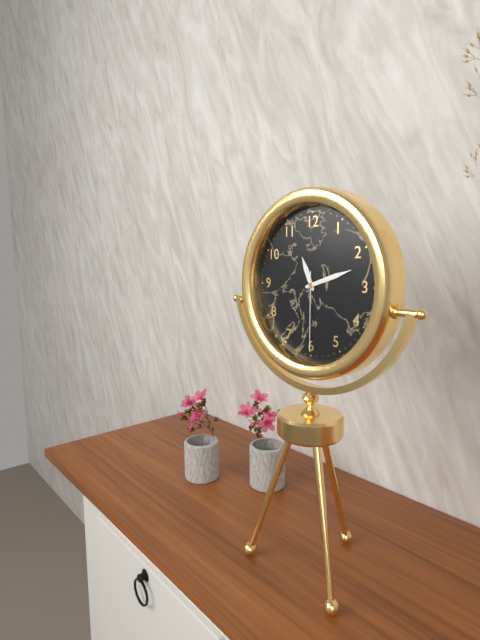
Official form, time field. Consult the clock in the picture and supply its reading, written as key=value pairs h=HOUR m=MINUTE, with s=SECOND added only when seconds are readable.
h=11 m=12 s=30
